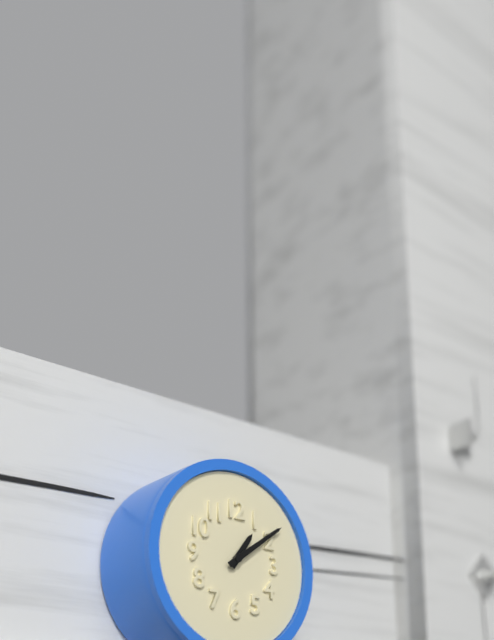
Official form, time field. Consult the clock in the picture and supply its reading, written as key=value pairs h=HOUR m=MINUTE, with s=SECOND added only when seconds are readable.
h=1 m=9
